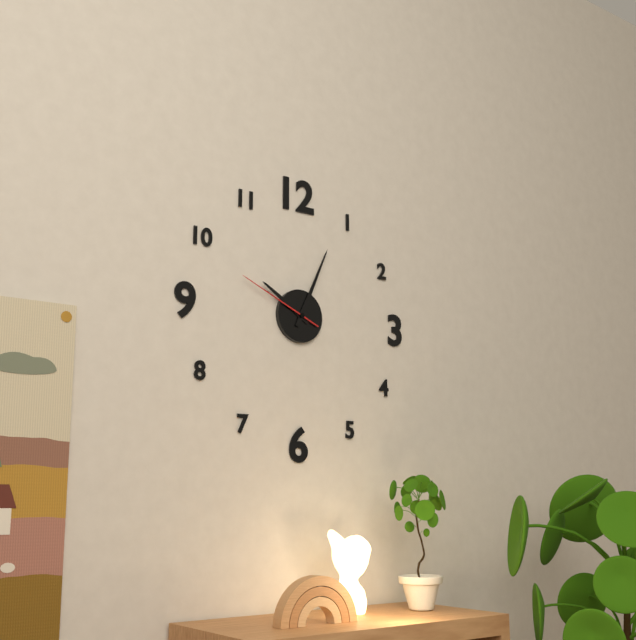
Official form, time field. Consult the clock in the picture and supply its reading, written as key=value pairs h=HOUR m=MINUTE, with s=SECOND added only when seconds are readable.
h=10 m=4 s=49
